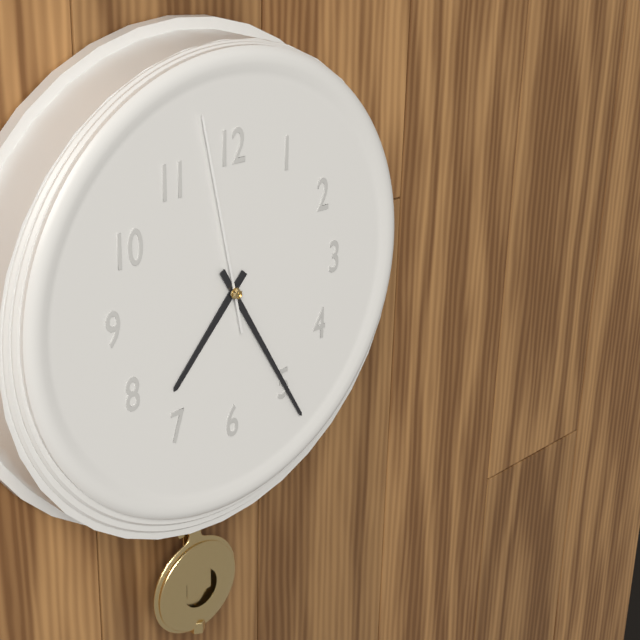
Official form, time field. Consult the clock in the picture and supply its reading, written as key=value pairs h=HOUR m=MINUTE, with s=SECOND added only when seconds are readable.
h=7 m=25 s=58
